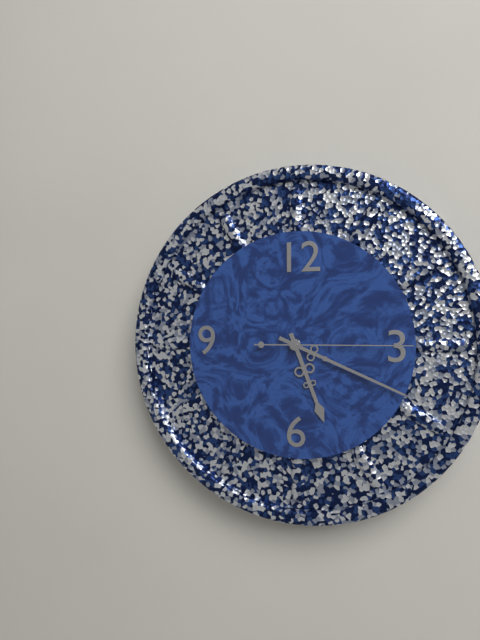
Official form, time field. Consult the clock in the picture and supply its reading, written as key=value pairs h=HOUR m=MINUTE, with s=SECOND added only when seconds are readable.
h=5 m=19 s=15
